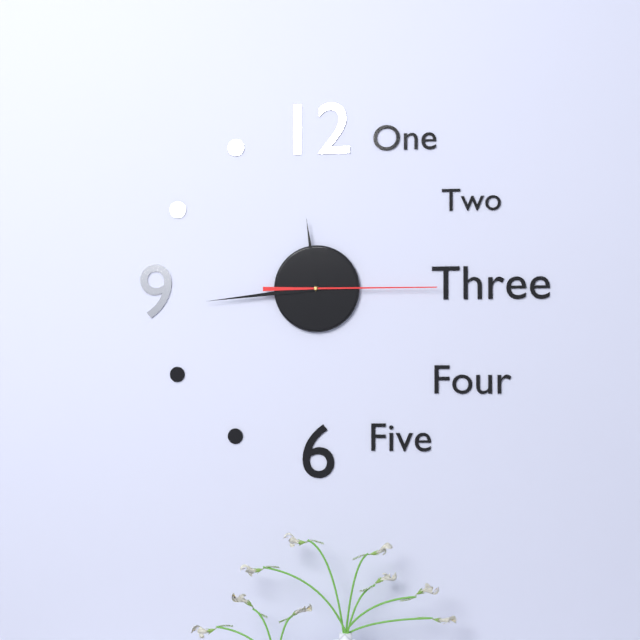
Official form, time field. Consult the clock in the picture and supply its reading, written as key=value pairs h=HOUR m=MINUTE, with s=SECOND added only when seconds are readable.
h=11 m=44 s=15
